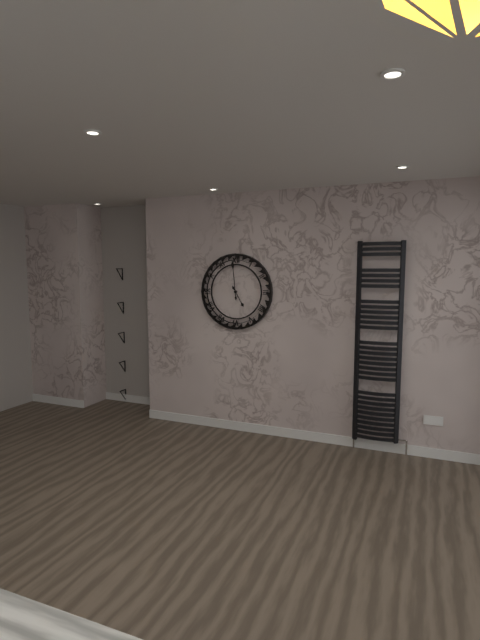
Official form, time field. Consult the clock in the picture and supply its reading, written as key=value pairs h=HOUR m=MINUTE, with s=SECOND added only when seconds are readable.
h=4 m=59
